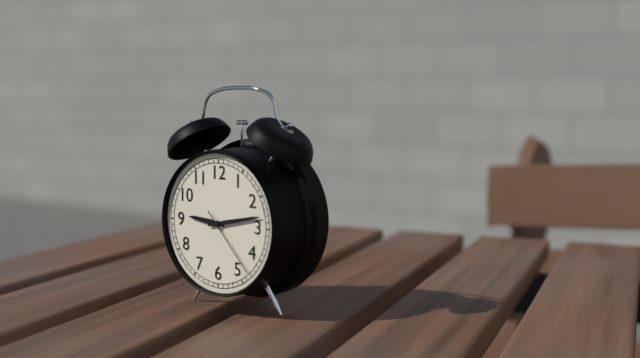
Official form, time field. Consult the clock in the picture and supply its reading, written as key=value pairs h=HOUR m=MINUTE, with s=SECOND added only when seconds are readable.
h=9 m=13 s=23
